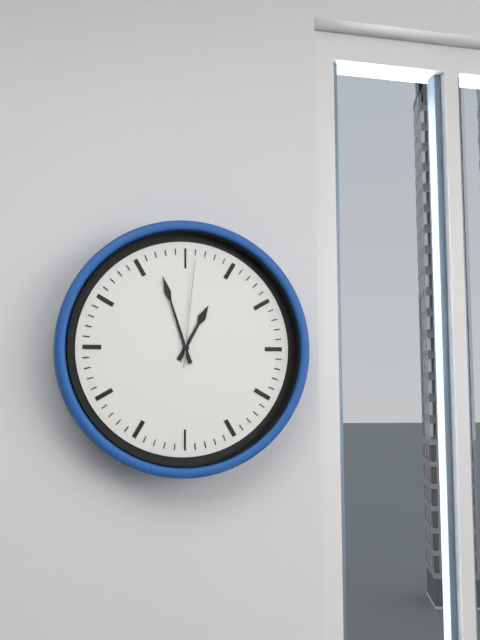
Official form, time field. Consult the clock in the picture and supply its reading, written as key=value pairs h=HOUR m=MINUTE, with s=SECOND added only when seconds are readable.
h=12 m=57 s=1
